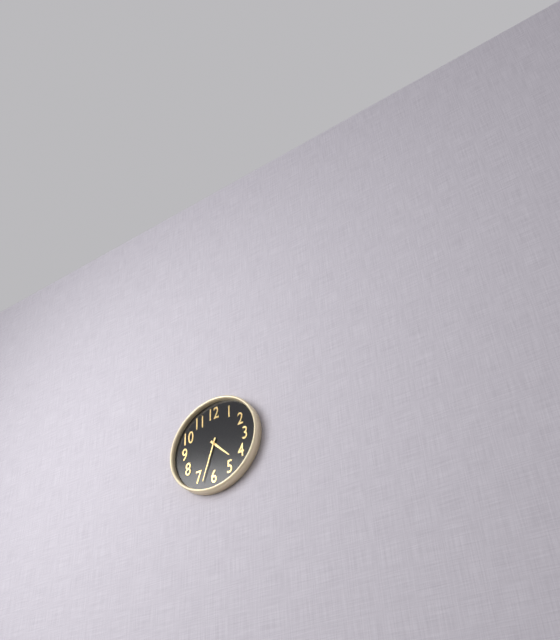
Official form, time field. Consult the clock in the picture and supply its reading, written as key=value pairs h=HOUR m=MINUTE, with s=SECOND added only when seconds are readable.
h=4 m=33
